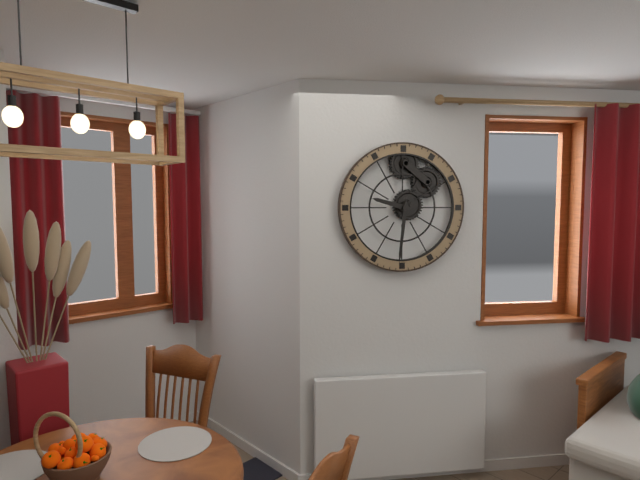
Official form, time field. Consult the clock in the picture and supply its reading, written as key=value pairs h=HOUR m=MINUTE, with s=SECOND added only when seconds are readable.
h=9 m=31
